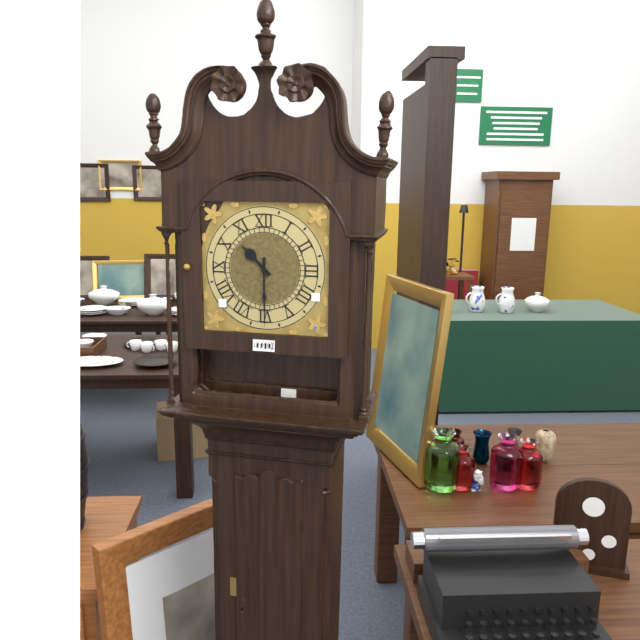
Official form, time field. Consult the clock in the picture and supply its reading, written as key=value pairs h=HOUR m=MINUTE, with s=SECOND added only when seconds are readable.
h=10 m=30
